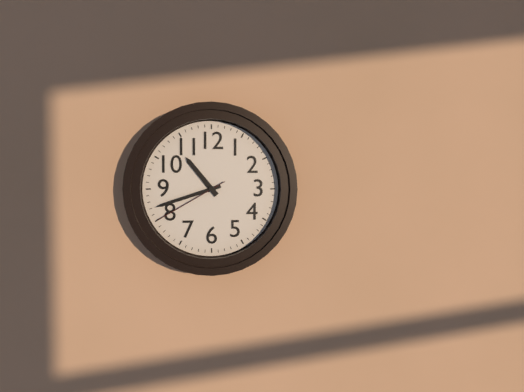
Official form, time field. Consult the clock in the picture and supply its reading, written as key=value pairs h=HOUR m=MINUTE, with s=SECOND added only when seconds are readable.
h=10 m=42 s=40
